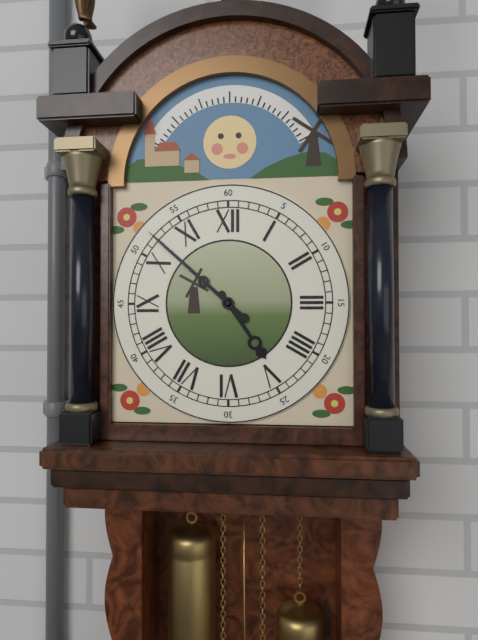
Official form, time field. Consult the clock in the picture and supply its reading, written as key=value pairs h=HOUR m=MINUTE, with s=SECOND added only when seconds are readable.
h=4 m=52
